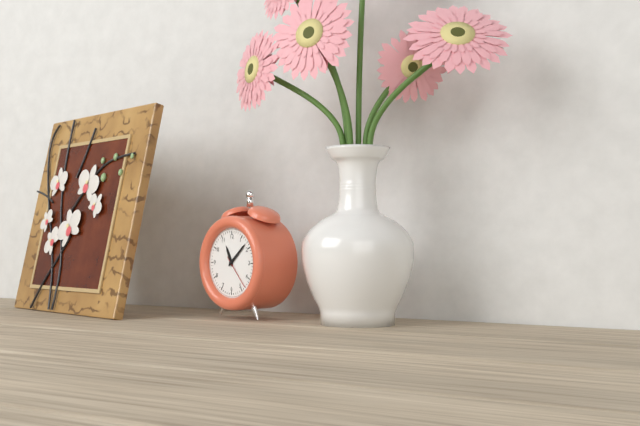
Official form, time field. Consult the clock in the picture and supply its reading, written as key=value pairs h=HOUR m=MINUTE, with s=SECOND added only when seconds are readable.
h=11 m=8
